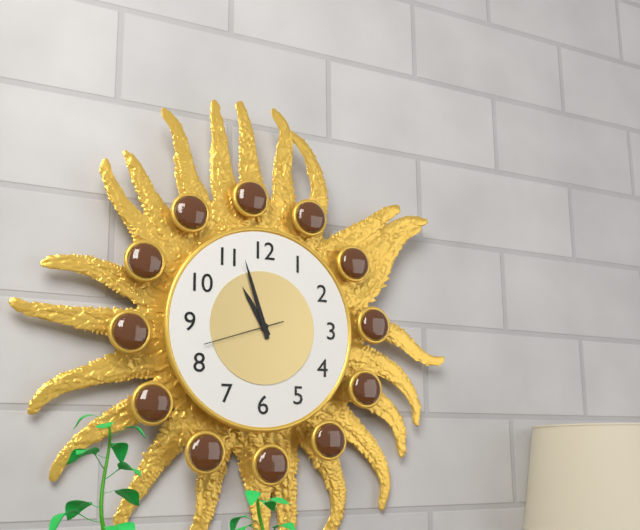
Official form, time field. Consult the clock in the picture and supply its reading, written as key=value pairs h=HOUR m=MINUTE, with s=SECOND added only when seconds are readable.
h=10 m=57 s=42
